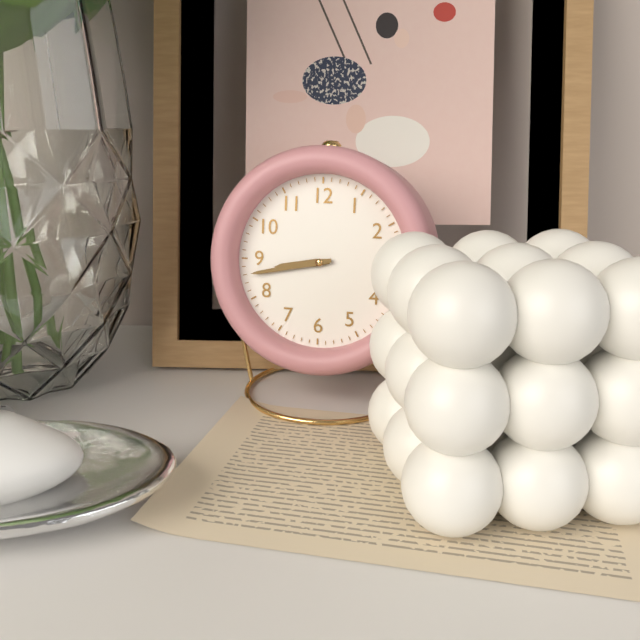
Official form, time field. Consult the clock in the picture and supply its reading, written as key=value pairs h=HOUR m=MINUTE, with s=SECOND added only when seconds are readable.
h=8 m=43
